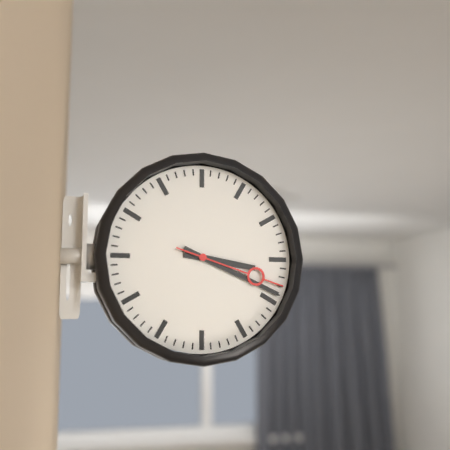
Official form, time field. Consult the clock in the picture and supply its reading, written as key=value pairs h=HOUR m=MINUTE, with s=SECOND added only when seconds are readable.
h=3 m=19 s=18
